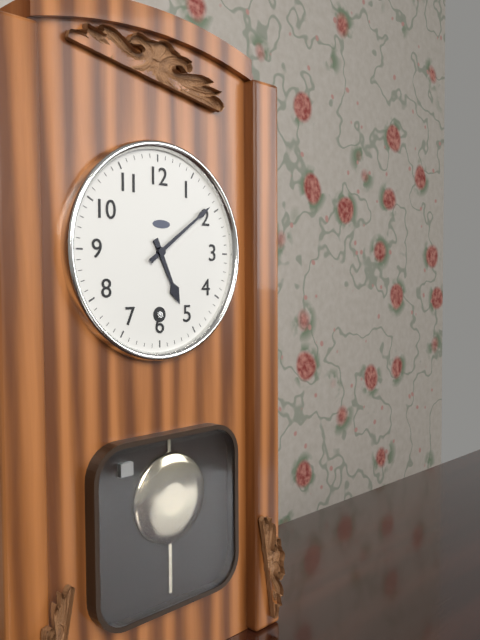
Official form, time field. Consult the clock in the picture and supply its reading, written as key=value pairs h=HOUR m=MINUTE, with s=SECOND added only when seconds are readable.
h=5 m=9
